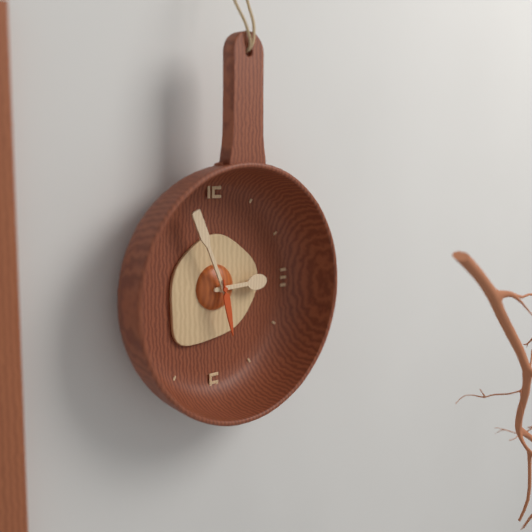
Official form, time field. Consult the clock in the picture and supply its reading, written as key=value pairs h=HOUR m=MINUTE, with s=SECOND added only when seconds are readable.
h=2 m=56 s=28
